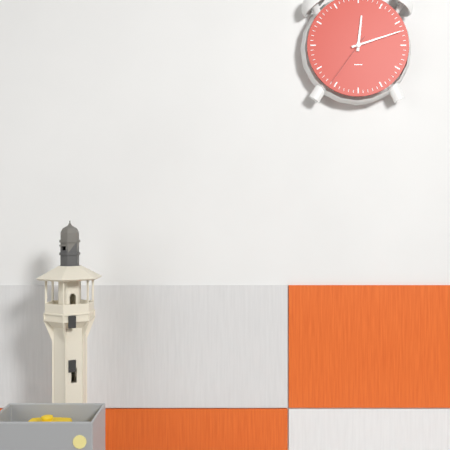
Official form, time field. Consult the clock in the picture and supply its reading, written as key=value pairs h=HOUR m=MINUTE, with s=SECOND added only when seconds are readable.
h=12 m=12 s=36
